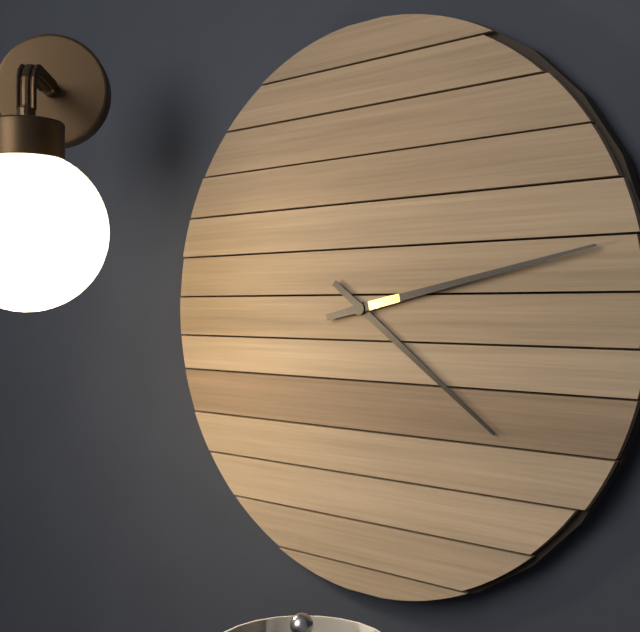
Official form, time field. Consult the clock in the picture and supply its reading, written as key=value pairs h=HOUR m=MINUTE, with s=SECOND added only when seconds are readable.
h=4 m=13
